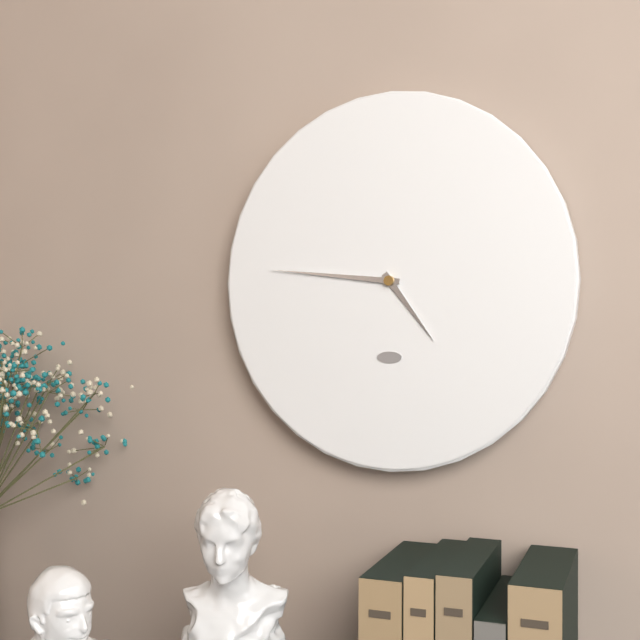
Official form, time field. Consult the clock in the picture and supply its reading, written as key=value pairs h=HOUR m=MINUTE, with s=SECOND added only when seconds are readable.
h=4 m=46
